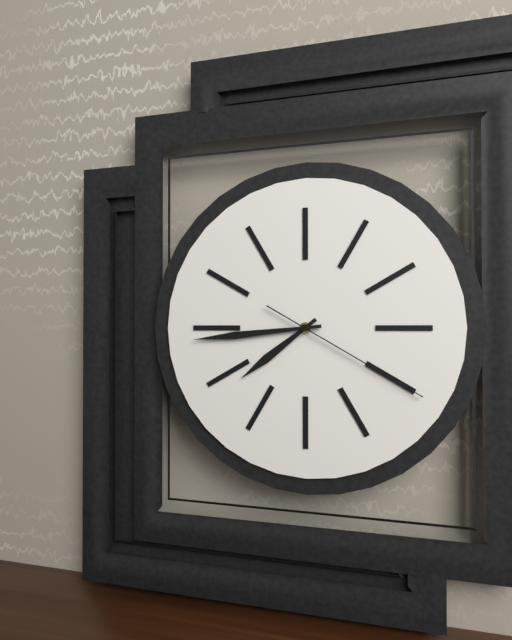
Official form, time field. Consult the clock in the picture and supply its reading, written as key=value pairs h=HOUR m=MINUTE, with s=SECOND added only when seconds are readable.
h=7 m=44 s=20
